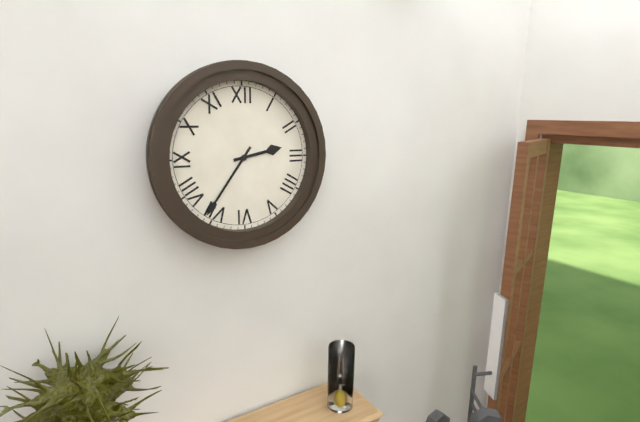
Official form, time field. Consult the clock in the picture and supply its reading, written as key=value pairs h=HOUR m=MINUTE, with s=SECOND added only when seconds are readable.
h=2 m=36
